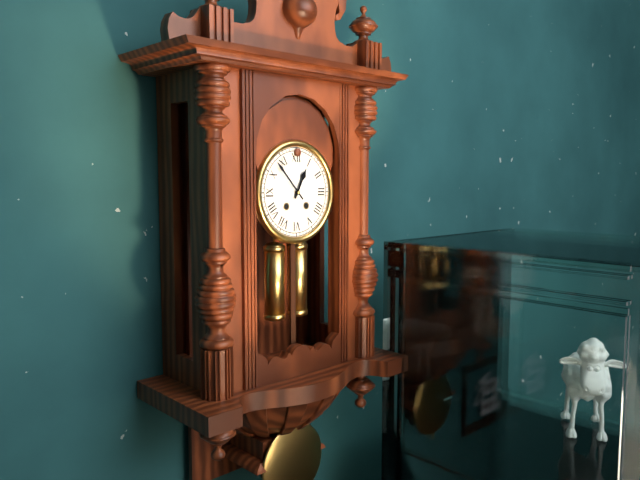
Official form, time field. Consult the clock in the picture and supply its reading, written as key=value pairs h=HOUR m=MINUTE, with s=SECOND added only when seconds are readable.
h=12 m=53
